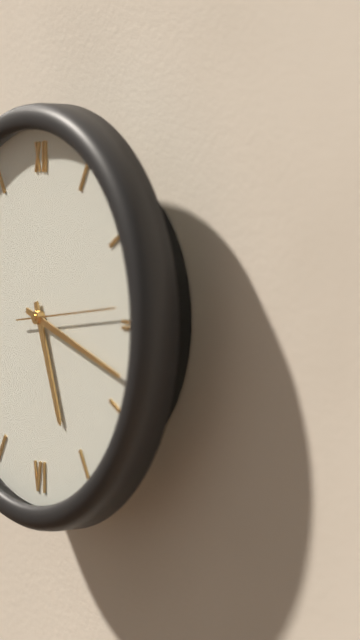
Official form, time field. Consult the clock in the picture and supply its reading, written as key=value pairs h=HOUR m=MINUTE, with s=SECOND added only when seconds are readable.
h=5 m=18
